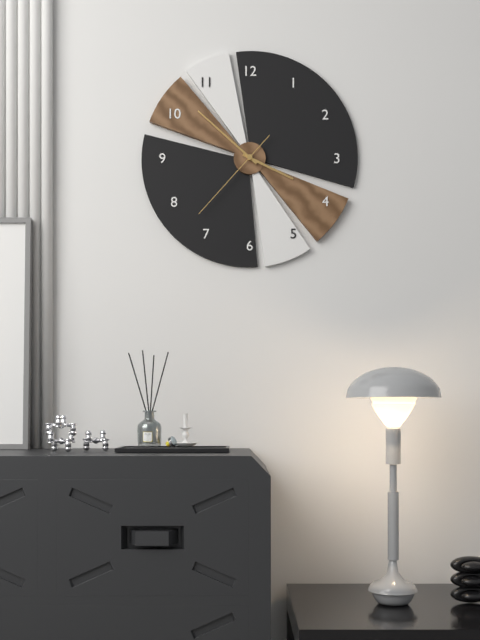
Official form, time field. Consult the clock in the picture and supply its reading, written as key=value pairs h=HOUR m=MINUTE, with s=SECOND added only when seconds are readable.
h=3 m=52 s=37
